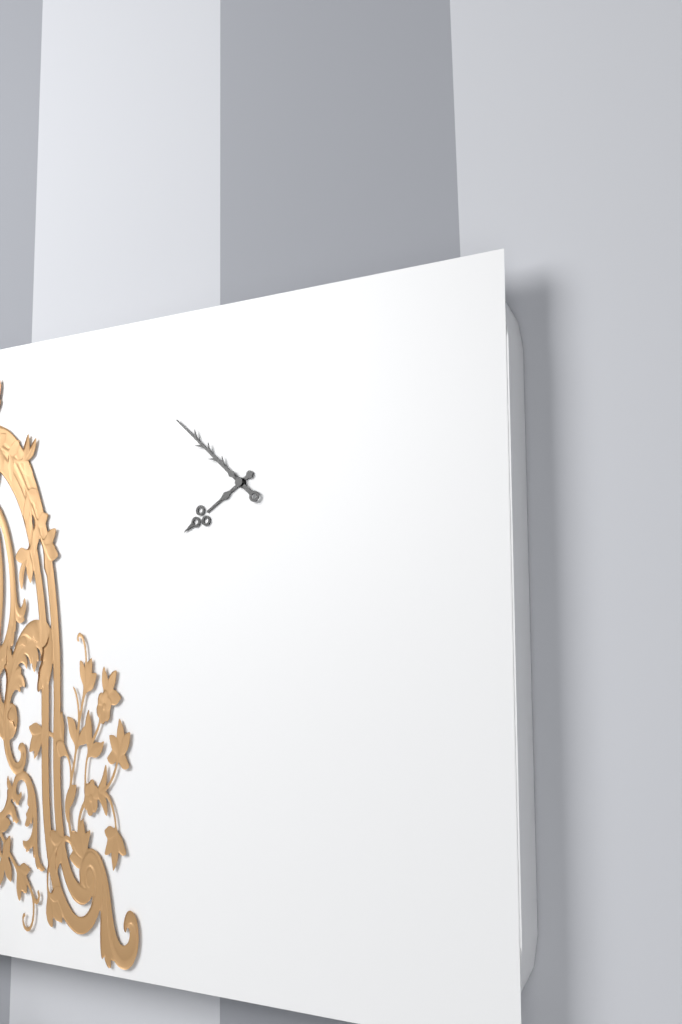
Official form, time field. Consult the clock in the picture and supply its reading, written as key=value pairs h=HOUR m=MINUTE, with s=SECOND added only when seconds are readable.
h=7 m=52
